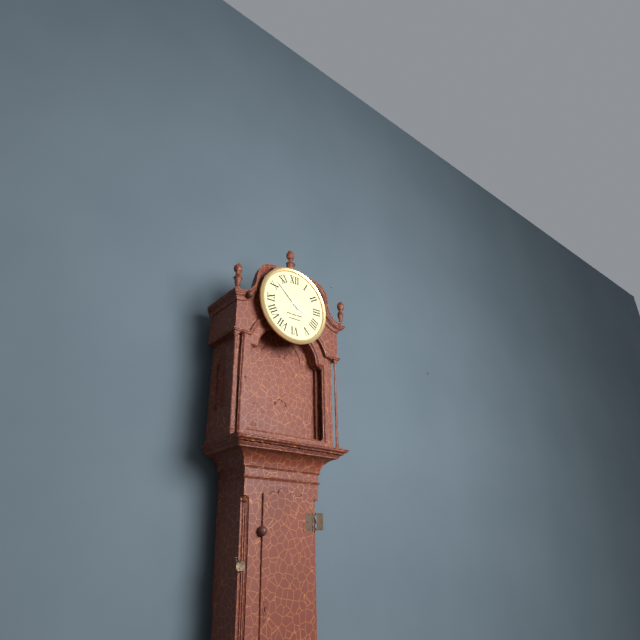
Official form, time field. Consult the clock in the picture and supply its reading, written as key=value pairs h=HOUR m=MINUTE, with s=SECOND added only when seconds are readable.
h=3 m=52
